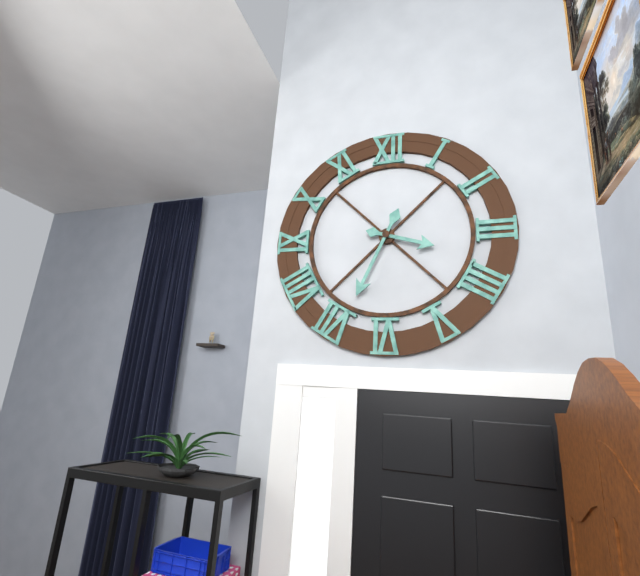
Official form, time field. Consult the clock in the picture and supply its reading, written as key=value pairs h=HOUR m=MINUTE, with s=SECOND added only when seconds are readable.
h=3 m=34
